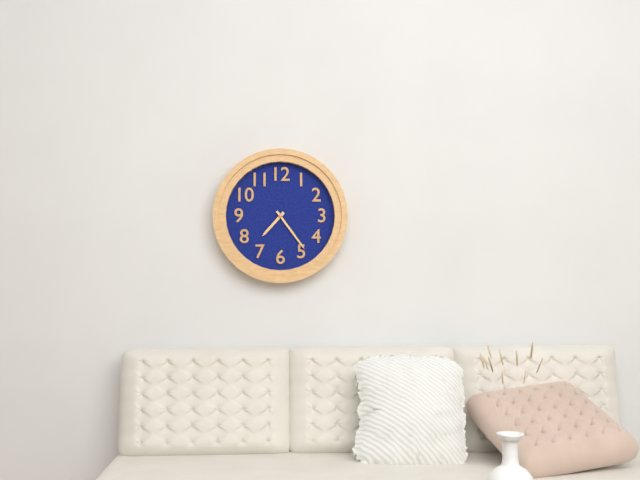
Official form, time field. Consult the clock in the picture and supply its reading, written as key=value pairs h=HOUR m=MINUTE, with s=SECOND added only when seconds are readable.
h=7 m=24
